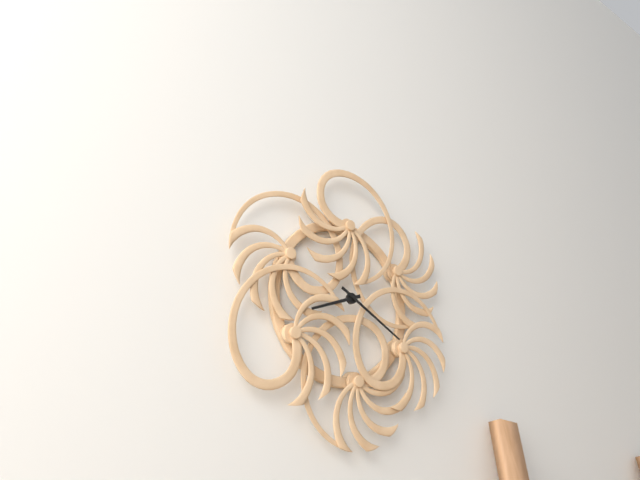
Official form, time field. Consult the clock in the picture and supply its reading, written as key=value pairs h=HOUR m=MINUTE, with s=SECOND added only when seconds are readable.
h=8 m=20
